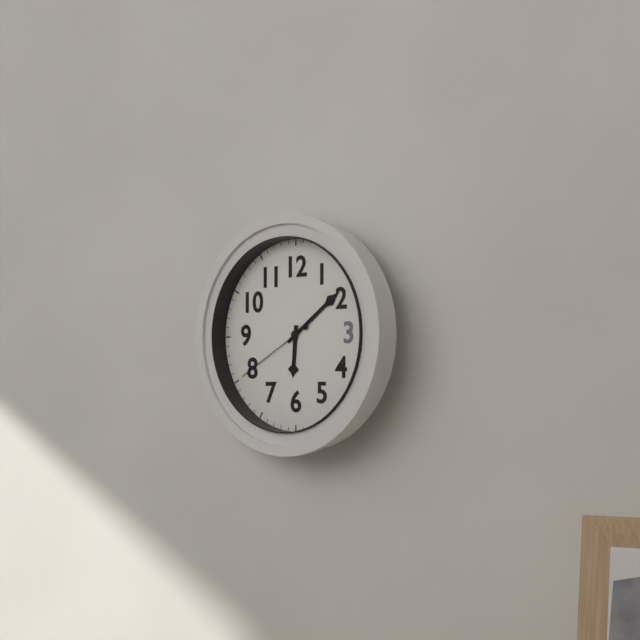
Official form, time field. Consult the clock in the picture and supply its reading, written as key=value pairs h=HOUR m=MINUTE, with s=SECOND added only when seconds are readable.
h=6 m=9 s=40
